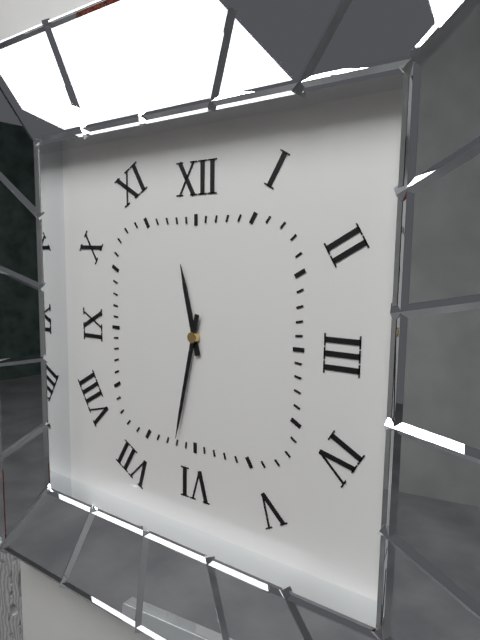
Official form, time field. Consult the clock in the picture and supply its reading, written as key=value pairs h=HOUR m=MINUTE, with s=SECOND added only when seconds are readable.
h=11 m=32
